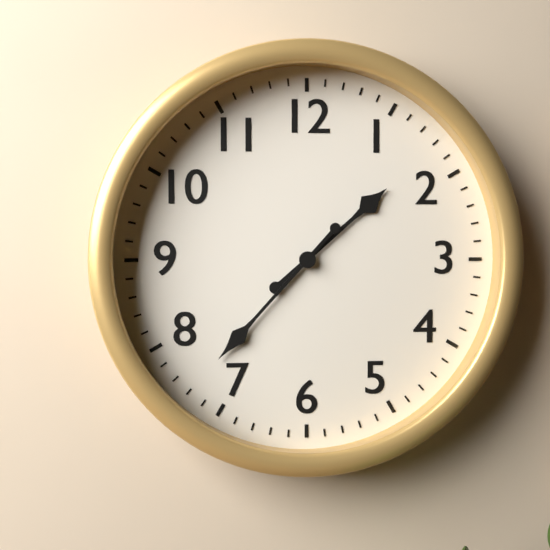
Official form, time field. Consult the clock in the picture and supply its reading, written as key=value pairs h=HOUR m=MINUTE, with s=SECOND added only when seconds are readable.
h=1 m=37
